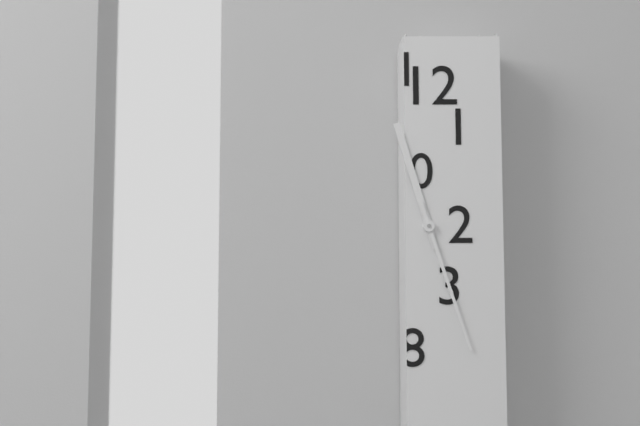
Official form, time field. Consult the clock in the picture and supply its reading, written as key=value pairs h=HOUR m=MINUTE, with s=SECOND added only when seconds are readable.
h=11 m=27
